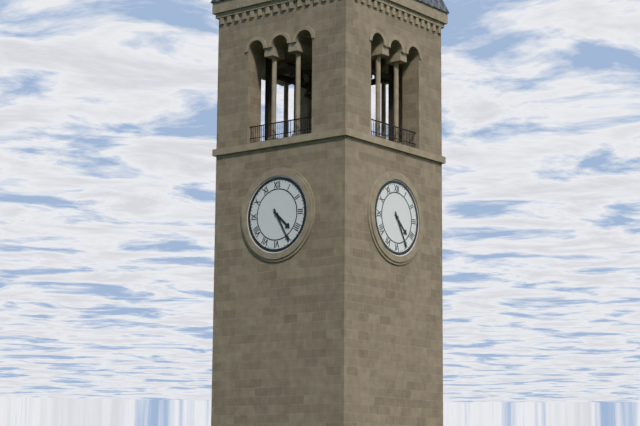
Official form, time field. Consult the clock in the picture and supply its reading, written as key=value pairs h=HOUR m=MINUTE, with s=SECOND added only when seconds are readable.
h=4 m=25
